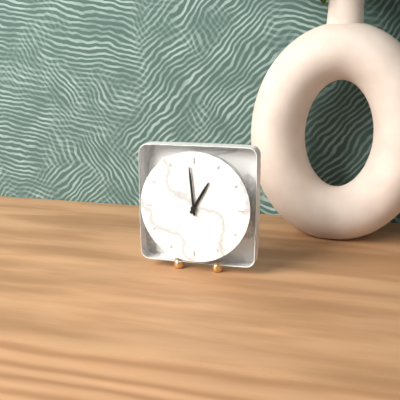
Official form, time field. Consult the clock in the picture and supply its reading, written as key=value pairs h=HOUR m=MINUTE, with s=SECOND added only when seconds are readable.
h=12 m=59
